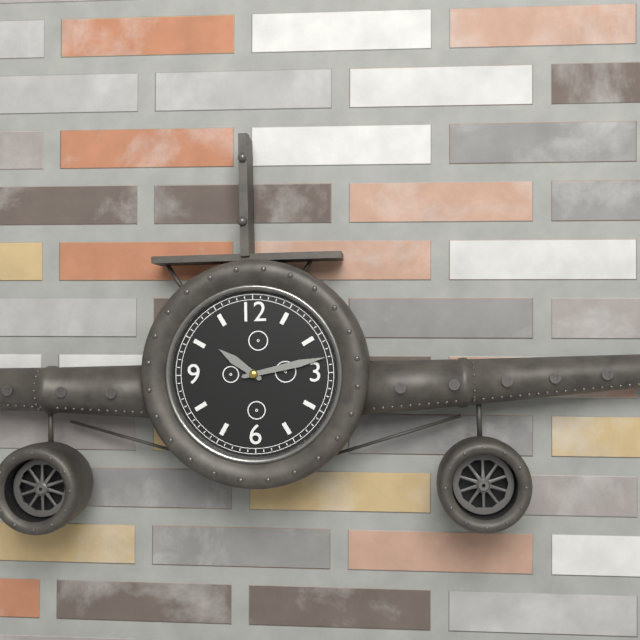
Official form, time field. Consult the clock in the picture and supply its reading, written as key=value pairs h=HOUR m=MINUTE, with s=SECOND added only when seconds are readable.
h=10 m=13
